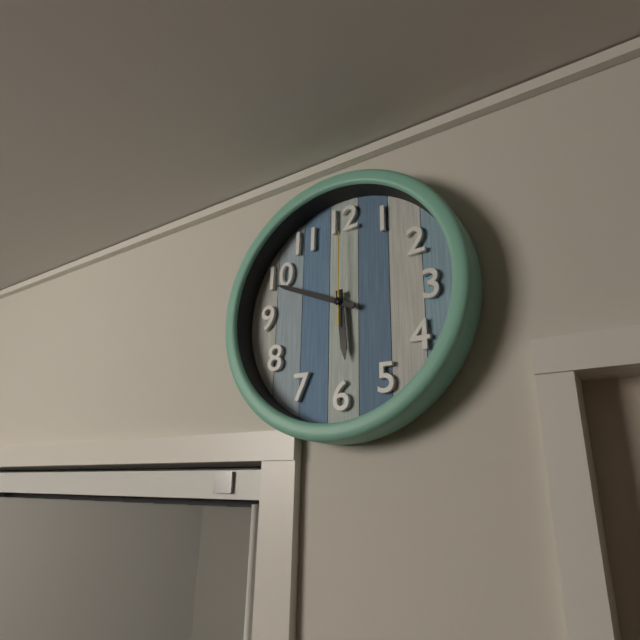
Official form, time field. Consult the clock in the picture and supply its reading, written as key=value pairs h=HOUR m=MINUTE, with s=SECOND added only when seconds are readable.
h=5 m=49 s=0
